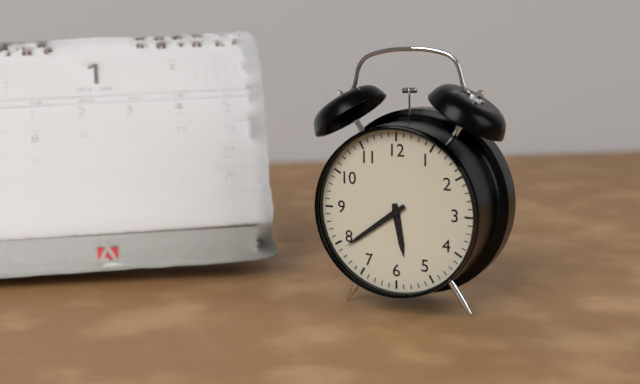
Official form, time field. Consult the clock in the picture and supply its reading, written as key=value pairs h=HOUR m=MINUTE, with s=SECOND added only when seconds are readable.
h=5 m=39
